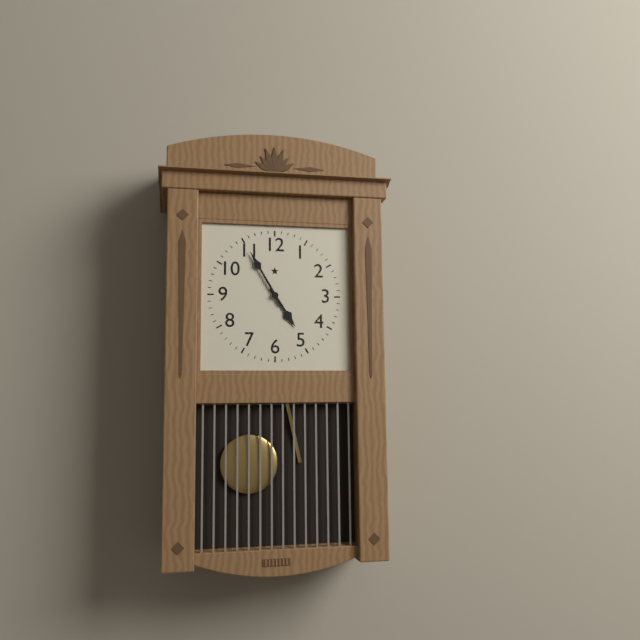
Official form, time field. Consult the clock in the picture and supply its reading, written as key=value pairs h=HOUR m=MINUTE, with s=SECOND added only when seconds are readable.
h=4 m=55
